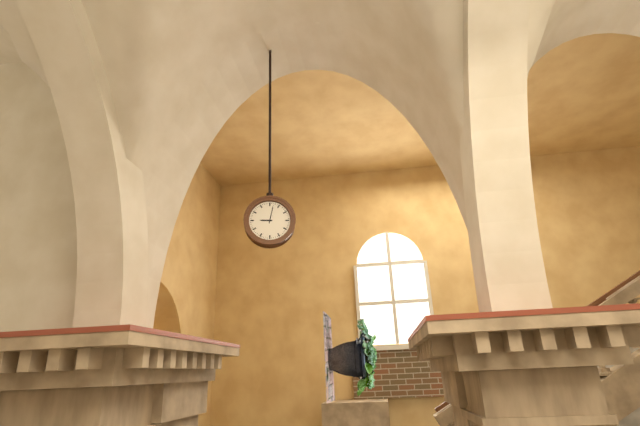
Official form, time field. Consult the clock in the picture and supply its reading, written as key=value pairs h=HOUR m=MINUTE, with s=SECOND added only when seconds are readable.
h=9 m=2
